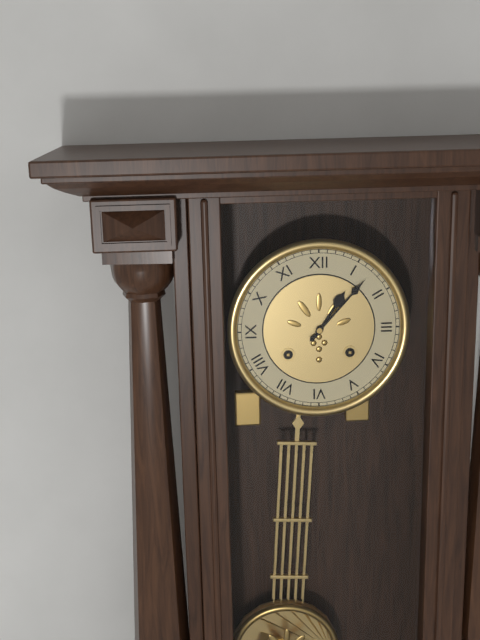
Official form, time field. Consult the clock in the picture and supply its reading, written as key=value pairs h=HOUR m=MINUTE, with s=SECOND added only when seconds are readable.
h=1 m=7
